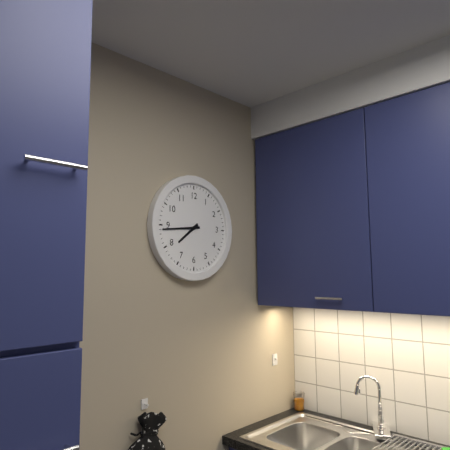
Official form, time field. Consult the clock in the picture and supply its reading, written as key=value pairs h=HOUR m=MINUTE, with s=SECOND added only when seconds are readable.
h=7 m=44
